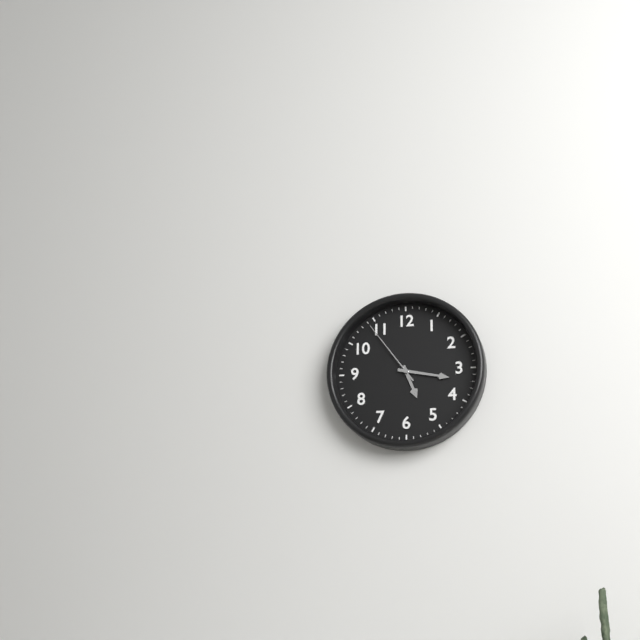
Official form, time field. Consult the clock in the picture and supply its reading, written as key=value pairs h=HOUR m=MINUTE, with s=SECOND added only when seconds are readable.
h=5 m=17 s=54
